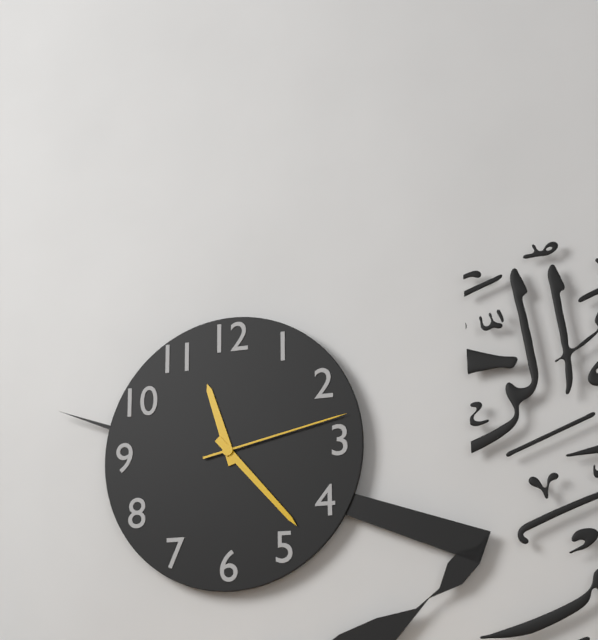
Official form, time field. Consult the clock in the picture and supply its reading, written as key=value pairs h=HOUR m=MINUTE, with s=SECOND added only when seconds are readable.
h=11 m=23 s=13
